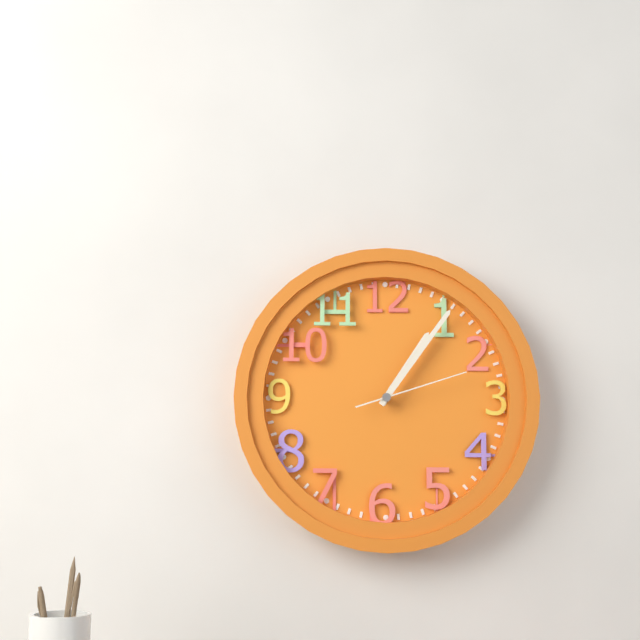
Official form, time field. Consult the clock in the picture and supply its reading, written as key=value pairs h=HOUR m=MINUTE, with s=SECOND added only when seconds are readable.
h=1 m=6 s=12
